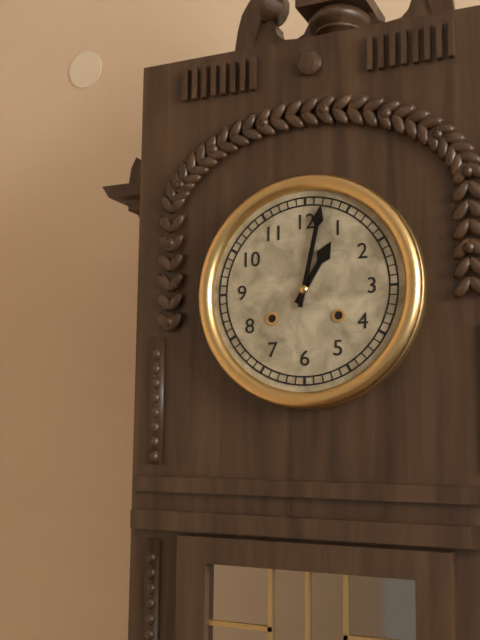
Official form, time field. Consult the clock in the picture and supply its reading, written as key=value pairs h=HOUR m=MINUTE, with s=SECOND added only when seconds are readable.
h=1 m=2
